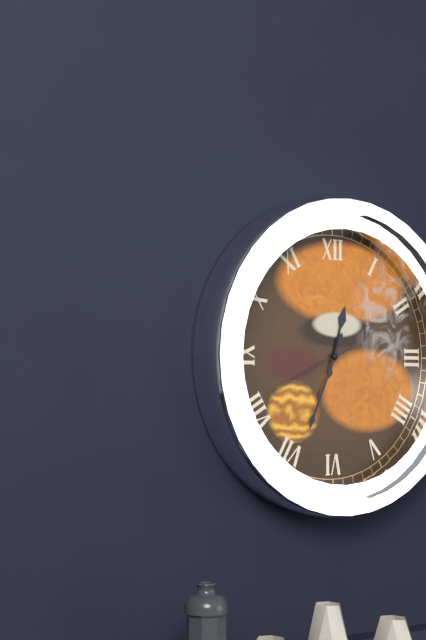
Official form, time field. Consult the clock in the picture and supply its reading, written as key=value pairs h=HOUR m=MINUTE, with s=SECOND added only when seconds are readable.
h=12 m=34 s=41
